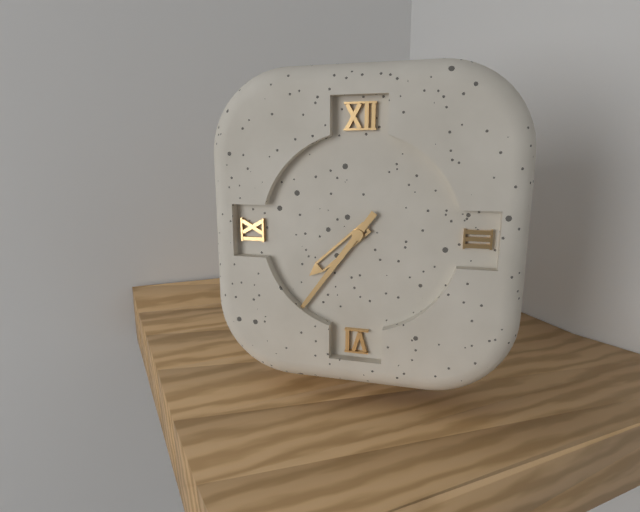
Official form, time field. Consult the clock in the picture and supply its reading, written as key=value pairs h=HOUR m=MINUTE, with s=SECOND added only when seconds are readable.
h=7 m=36
